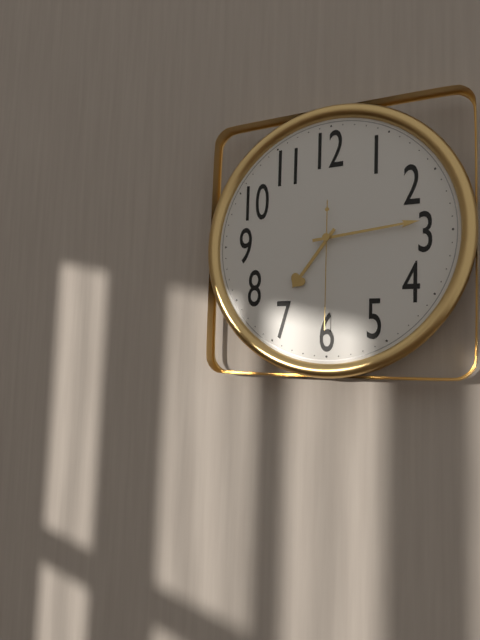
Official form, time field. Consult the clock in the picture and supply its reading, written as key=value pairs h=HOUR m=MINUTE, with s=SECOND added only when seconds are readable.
h=7 m=14 s=30
